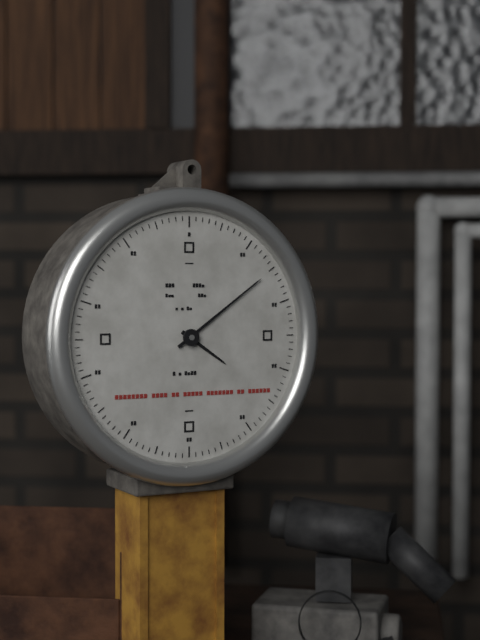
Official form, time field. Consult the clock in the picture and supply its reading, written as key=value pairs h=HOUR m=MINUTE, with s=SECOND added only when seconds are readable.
h=4 m=9
